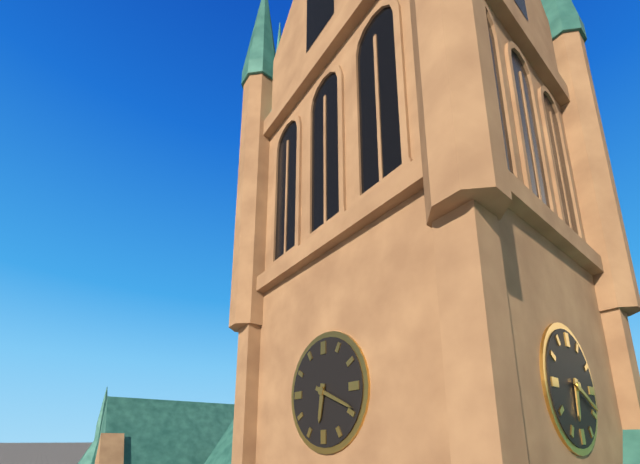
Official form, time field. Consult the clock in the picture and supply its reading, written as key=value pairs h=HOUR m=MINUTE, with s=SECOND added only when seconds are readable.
h=6 m=19
